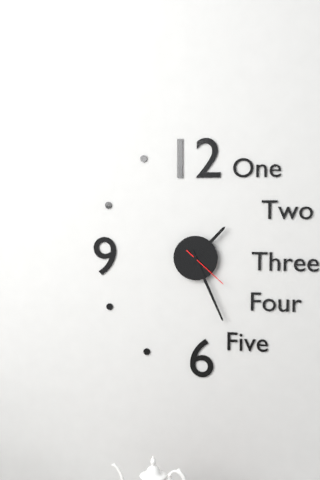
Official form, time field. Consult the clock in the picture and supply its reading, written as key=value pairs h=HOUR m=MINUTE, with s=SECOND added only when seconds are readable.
h=1 m=26
